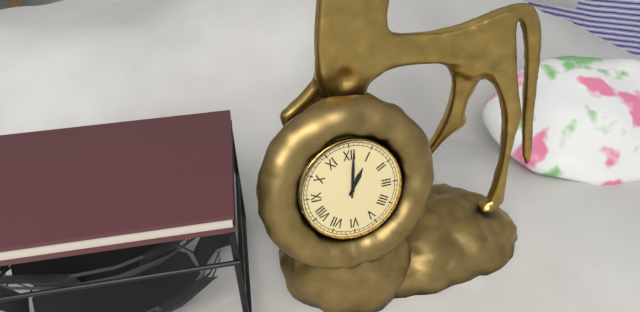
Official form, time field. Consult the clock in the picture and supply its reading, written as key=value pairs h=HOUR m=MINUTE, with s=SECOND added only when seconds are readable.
h=1 m=1
